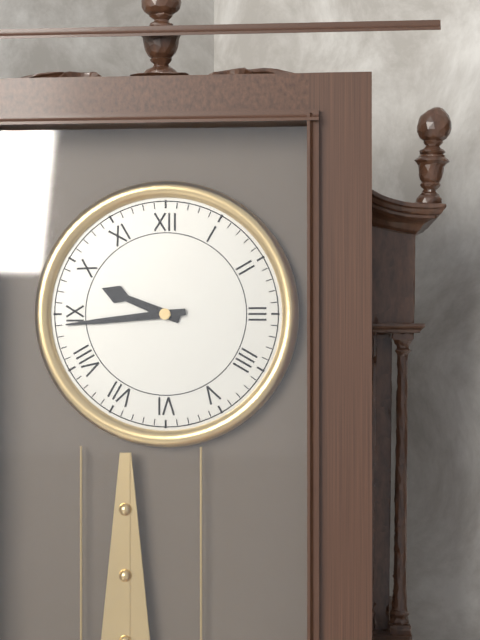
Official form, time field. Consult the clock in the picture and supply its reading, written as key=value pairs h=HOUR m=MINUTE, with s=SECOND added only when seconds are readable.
h=9 m=44
